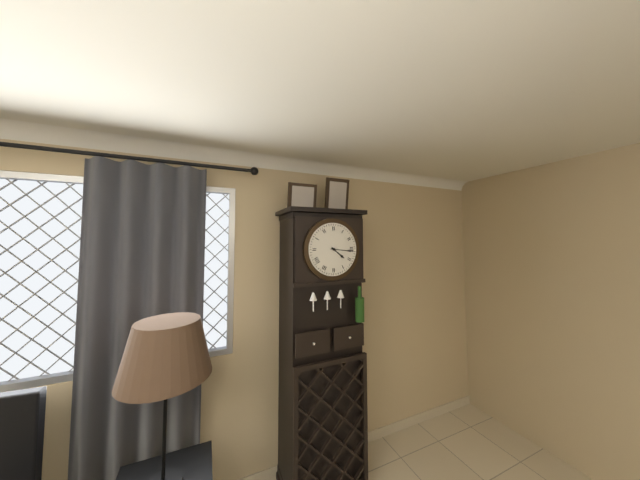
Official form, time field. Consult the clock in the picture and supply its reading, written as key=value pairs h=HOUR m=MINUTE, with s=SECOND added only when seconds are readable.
h=4 m=16
